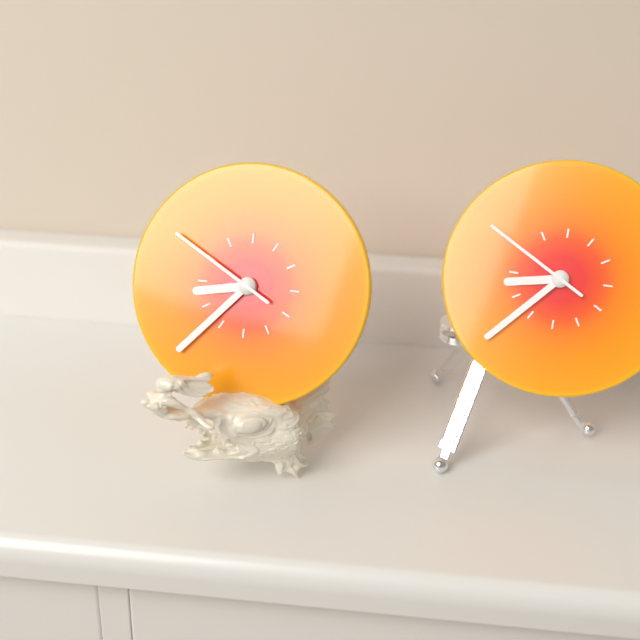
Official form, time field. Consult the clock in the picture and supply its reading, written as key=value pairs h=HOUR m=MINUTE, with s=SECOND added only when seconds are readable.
h=8 m=37 s=50
